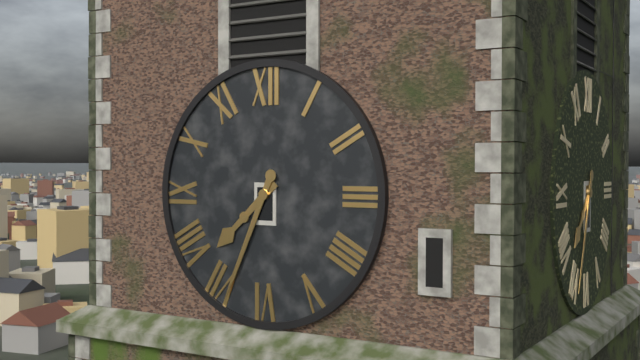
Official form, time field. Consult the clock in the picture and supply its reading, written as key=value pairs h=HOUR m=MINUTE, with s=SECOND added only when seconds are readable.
h=7 m=34
